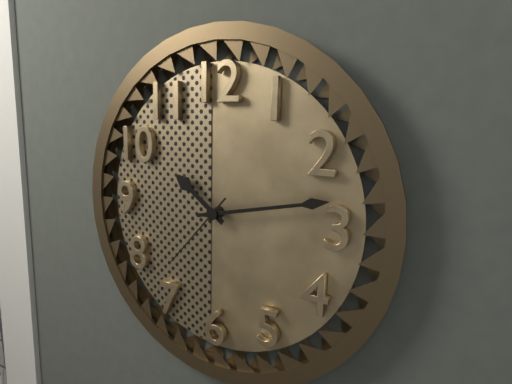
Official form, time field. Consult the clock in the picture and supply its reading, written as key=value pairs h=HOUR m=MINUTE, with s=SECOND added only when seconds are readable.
h=10 m=13 s=37
